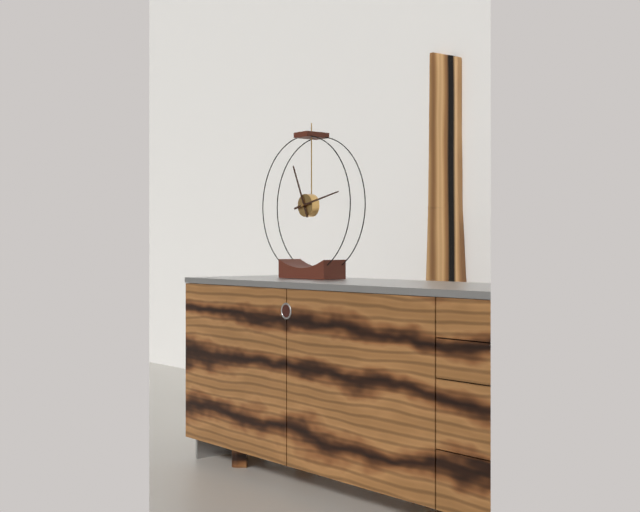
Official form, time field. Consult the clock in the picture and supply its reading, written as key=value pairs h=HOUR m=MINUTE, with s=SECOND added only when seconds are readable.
h=11 m=13
